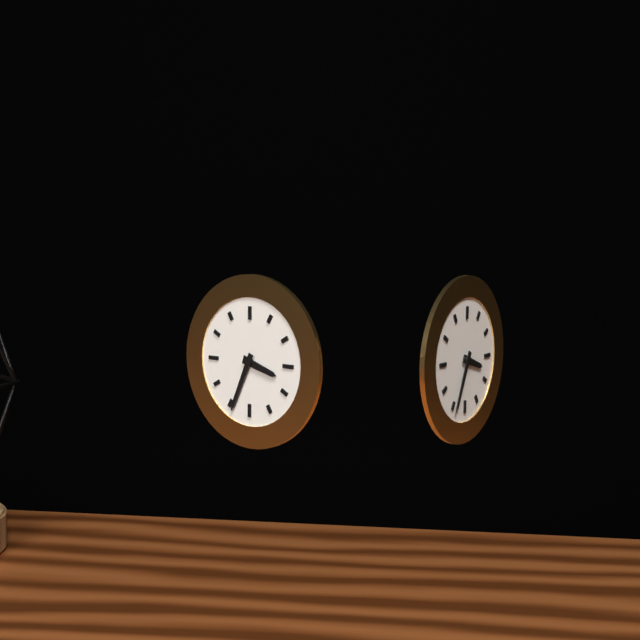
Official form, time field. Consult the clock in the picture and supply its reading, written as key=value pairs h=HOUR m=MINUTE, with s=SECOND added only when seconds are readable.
h=3 m=34
